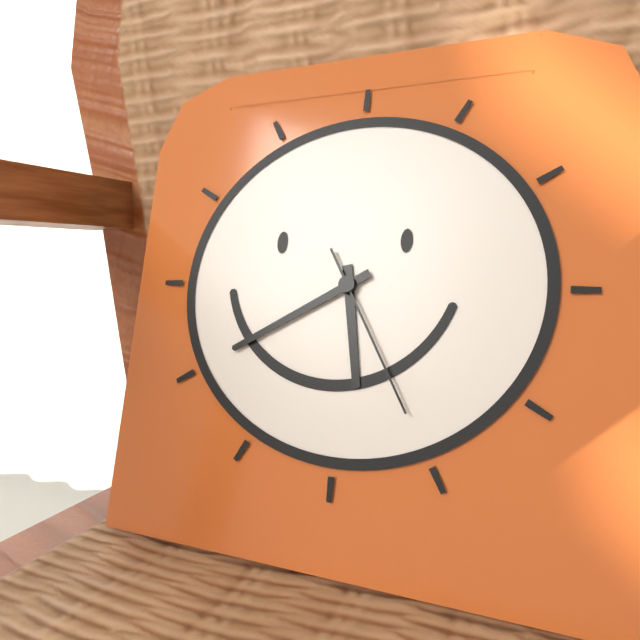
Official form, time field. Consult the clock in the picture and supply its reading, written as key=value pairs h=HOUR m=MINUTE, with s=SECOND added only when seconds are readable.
h=5 m=40 s=25
